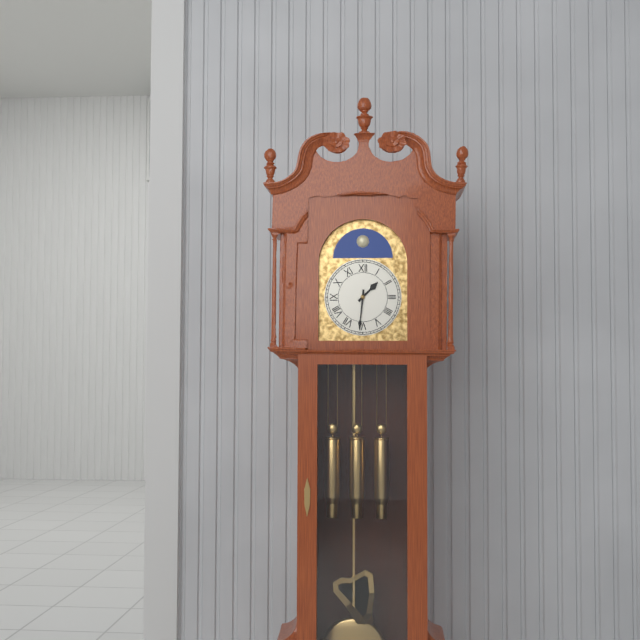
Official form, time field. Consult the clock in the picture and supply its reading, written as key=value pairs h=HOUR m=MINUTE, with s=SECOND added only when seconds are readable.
h=1 m=31
